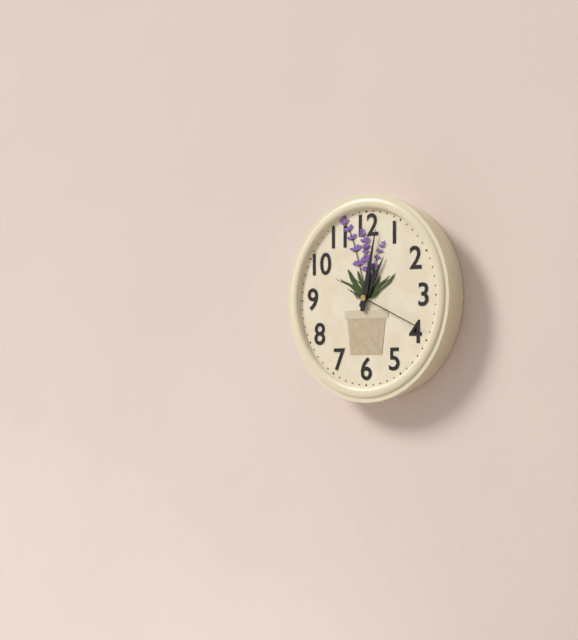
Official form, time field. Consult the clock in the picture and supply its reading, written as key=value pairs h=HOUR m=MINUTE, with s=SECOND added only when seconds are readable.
h=1 m=2 s=19
